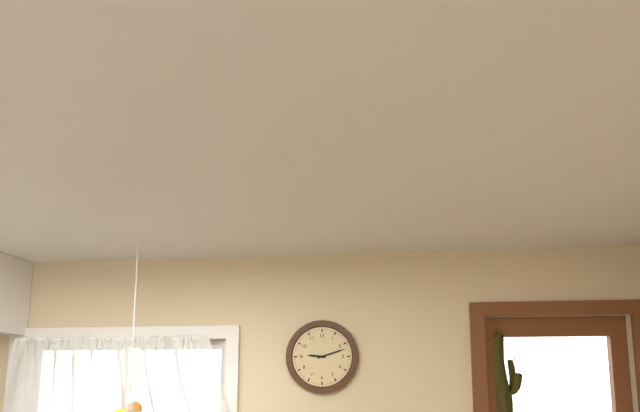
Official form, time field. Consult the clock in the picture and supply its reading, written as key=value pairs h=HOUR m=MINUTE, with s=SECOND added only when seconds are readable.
h=9 m=12
